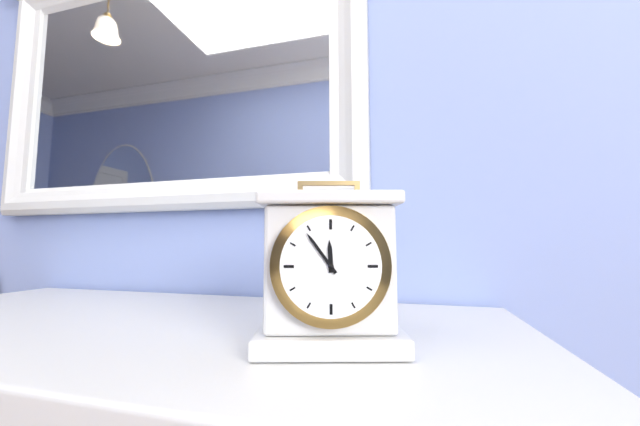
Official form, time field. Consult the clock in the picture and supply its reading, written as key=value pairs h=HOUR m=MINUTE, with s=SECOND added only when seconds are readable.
h=11 m=54
